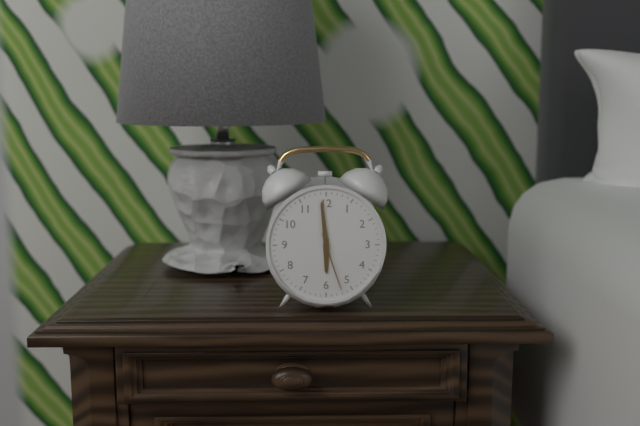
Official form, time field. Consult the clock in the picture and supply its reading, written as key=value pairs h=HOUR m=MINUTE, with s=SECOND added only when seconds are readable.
h=5 m=59 s=27
